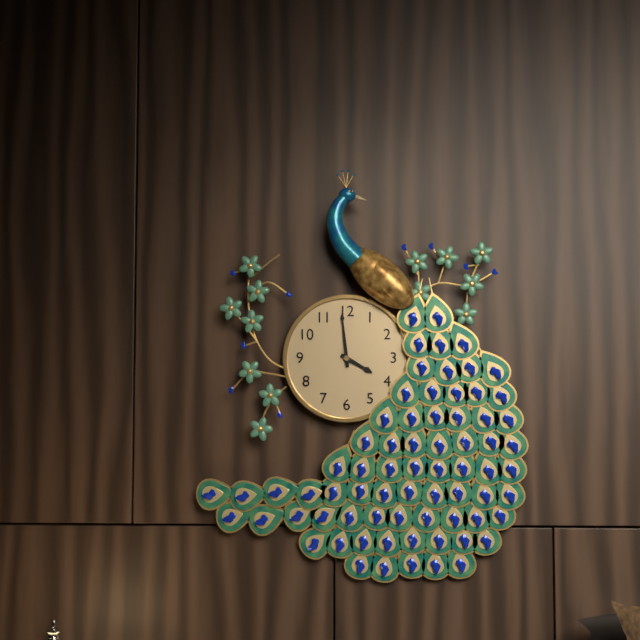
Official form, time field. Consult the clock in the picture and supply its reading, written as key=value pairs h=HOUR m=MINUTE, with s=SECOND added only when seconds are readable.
h=3 m=59
